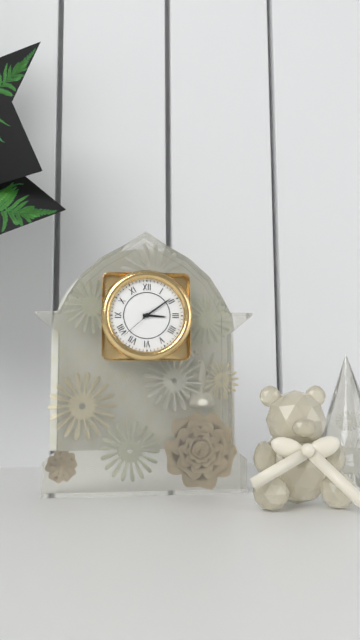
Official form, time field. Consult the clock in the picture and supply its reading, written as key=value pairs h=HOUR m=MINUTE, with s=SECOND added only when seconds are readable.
h=3 m=9
